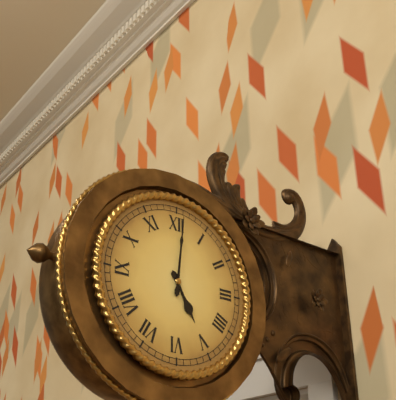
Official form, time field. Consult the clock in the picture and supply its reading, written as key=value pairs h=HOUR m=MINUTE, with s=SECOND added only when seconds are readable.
h=5 m=1
